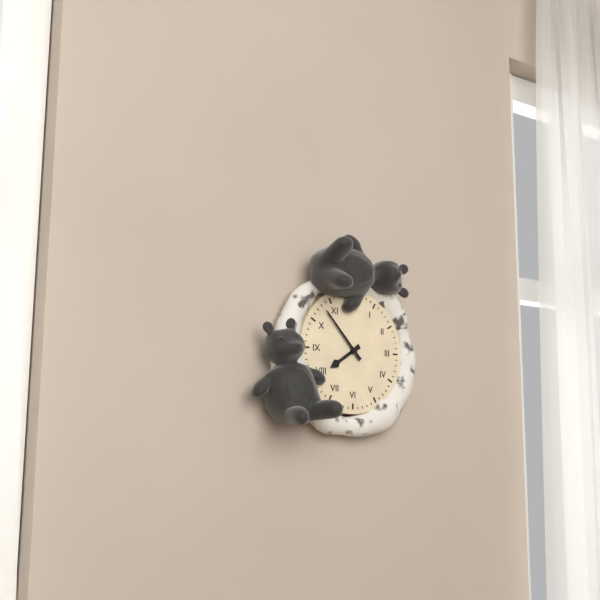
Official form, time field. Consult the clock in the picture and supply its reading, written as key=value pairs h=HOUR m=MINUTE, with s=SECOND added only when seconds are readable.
h=7 m=53
